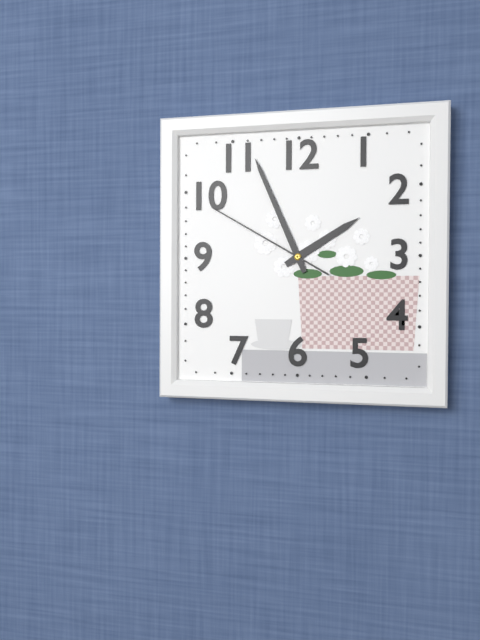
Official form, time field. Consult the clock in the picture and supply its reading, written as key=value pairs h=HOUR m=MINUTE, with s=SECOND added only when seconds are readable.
h=1 m=56 s=50
